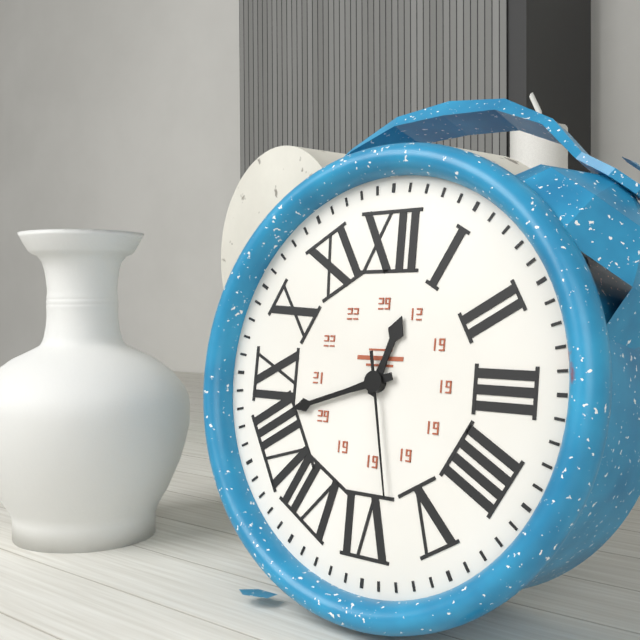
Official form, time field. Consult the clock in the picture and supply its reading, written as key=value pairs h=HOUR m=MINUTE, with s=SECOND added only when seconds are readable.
h=12 m=42 s=28
